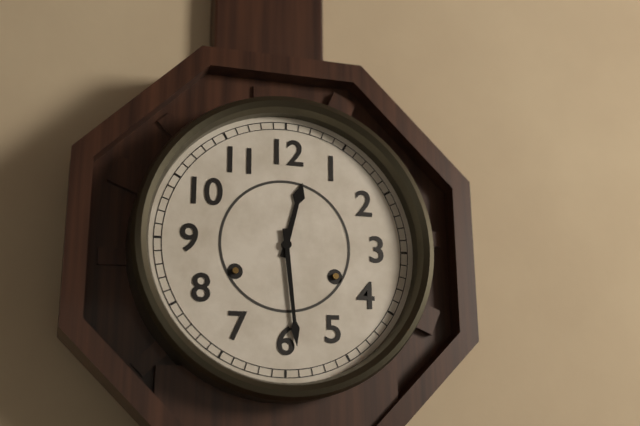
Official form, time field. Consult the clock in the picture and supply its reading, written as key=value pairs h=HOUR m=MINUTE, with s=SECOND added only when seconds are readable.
h=12 m=29
